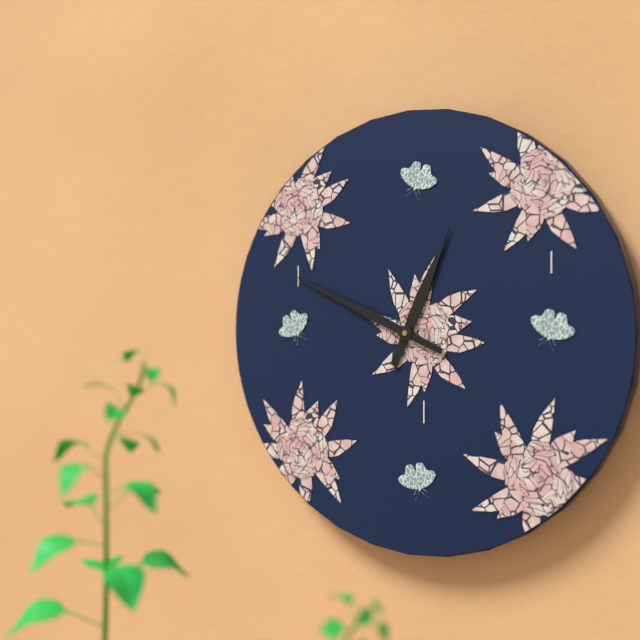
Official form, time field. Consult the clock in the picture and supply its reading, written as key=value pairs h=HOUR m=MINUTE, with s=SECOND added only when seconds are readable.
h=12 m=49
